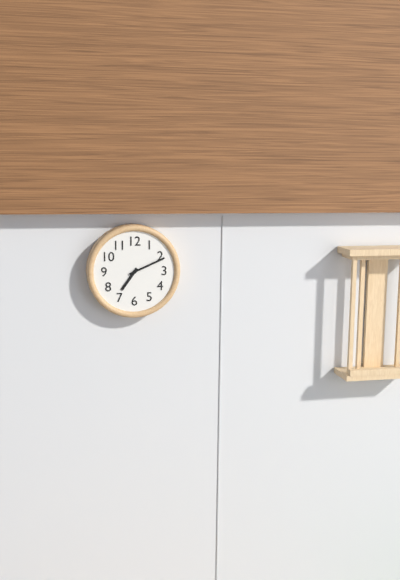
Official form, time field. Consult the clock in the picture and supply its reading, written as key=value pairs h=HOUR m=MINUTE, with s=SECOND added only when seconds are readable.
h=7 m=11
